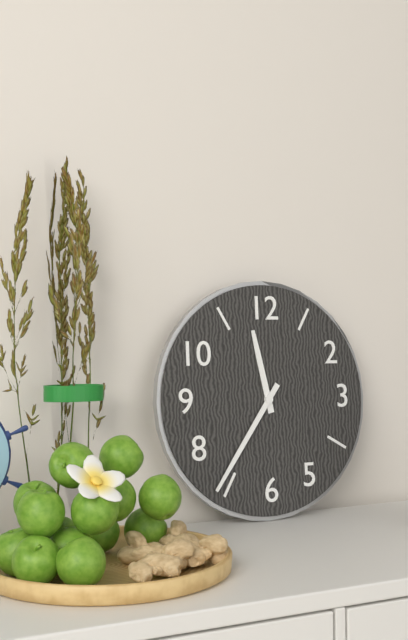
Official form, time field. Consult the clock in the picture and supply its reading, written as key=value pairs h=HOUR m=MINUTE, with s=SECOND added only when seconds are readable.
h=11 m=36
